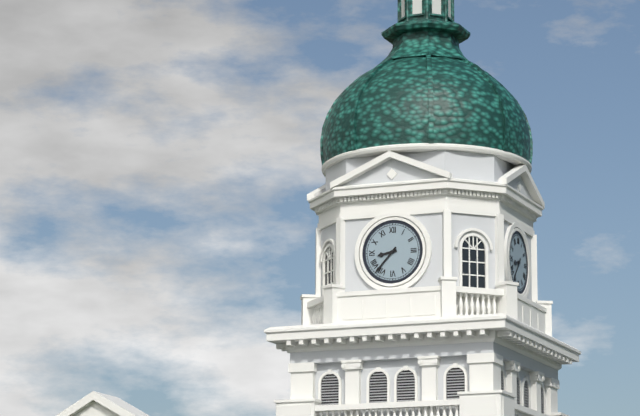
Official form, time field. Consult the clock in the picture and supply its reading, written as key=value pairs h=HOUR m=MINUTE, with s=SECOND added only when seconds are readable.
h=8 m=37
